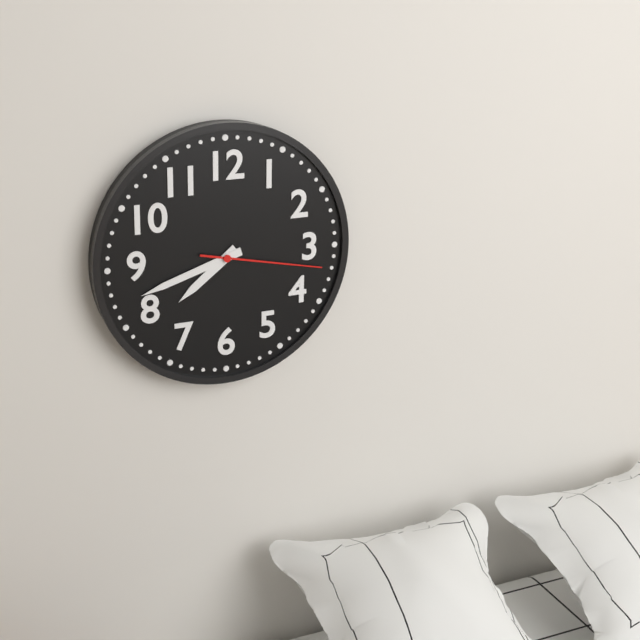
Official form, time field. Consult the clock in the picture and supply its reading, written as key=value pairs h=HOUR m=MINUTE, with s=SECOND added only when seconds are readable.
h=7 m=42 s=17
